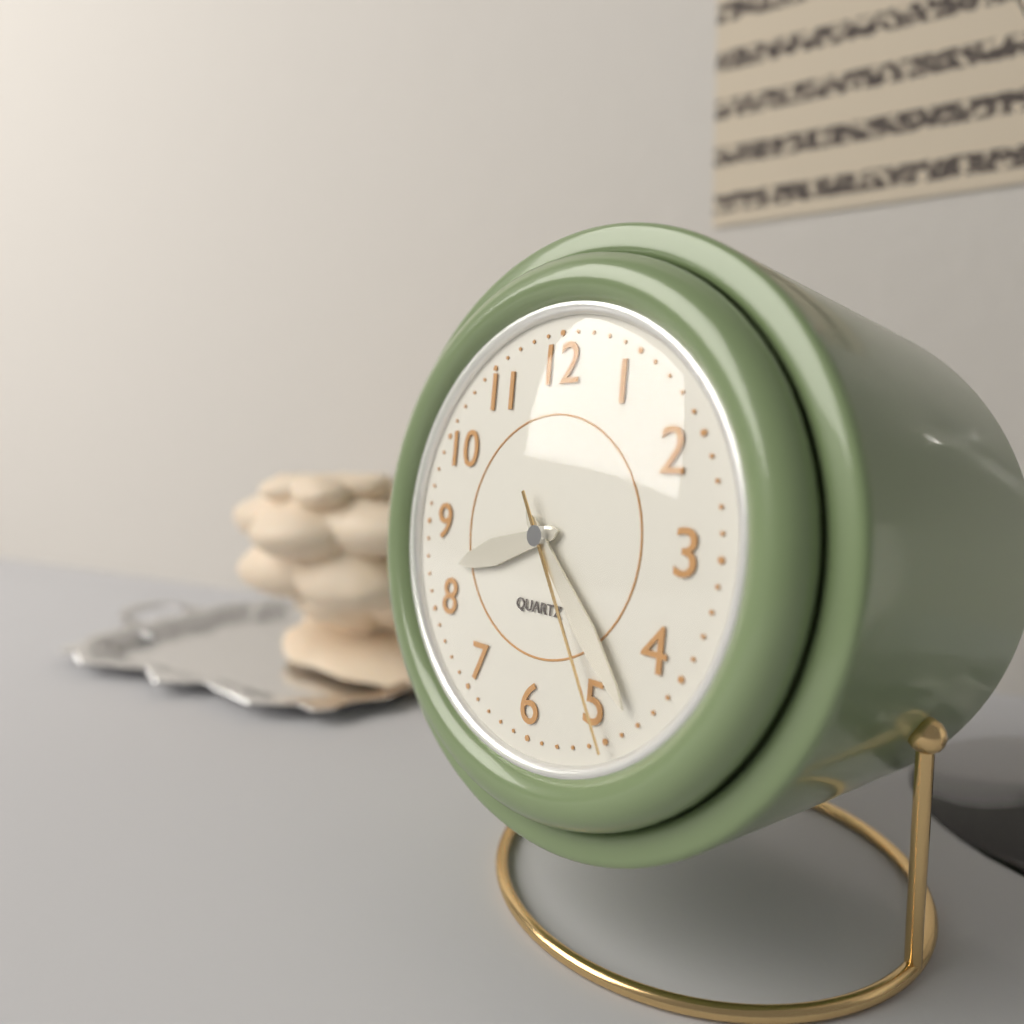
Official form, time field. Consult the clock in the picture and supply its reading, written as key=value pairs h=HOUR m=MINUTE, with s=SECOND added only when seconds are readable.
h=8 m=23 s=25
